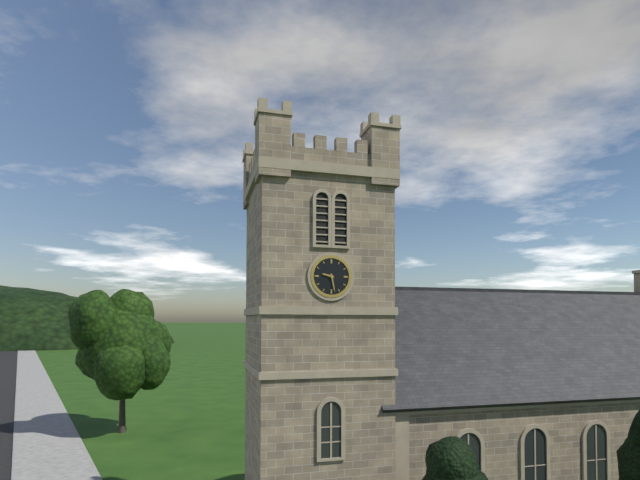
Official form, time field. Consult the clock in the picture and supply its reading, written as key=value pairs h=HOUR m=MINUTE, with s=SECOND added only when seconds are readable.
h=9 m=28
